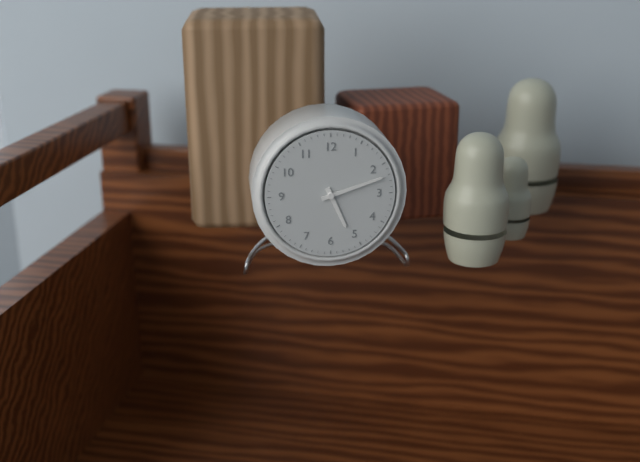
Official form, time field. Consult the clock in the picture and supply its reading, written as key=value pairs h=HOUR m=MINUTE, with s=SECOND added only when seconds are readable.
h=5 m=12
